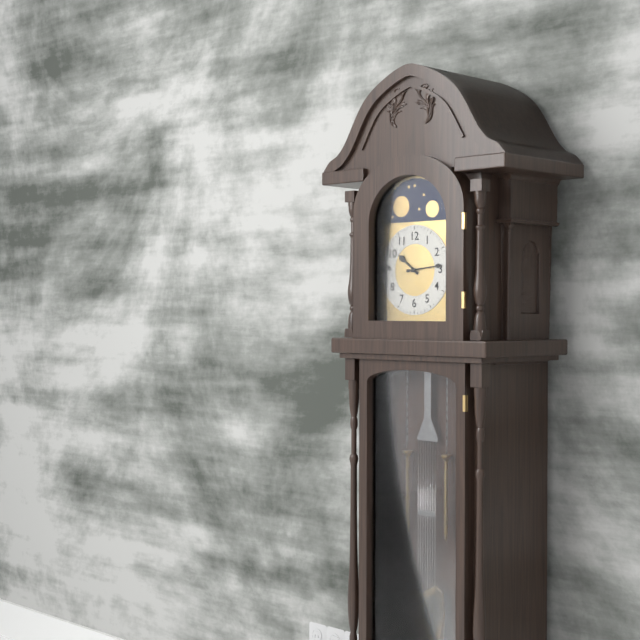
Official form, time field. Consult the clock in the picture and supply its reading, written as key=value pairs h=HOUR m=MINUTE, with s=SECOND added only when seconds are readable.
h=10 m=14
